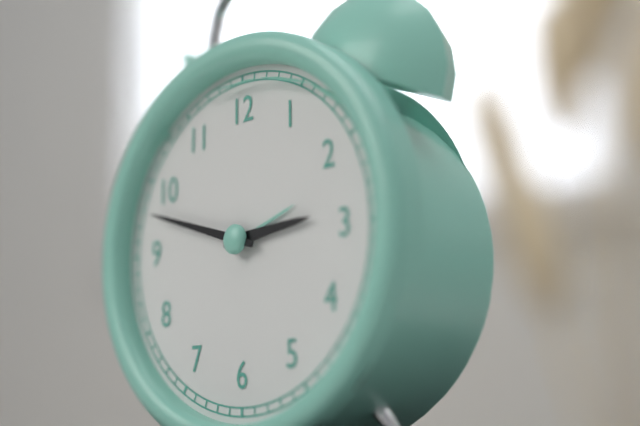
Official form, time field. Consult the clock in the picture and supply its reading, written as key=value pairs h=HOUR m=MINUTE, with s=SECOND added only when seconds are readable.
h=2 m=48
